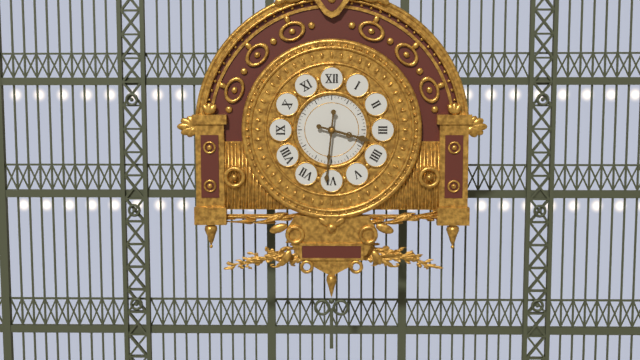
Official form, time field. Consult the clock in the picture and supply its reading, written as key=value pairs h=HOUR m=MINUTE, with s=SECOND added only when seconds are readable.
h=3 m=31
